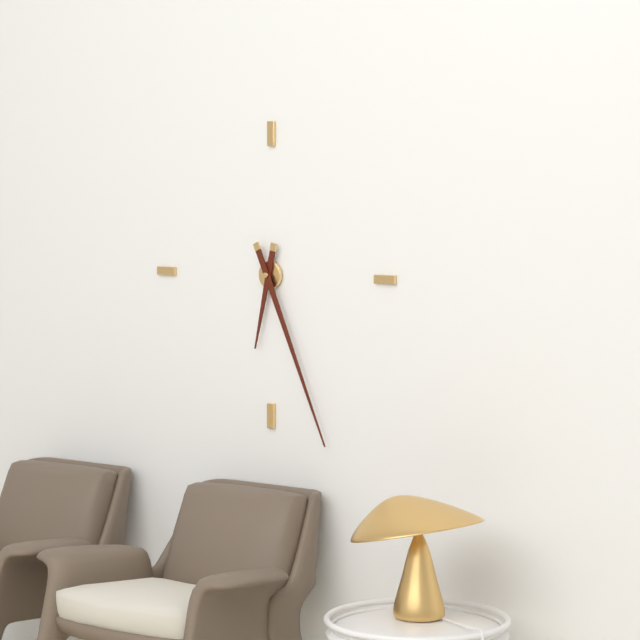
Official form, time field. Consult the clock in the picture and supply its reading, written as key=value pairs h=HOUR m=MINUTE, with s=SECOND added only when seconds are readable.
h=6 m=26
